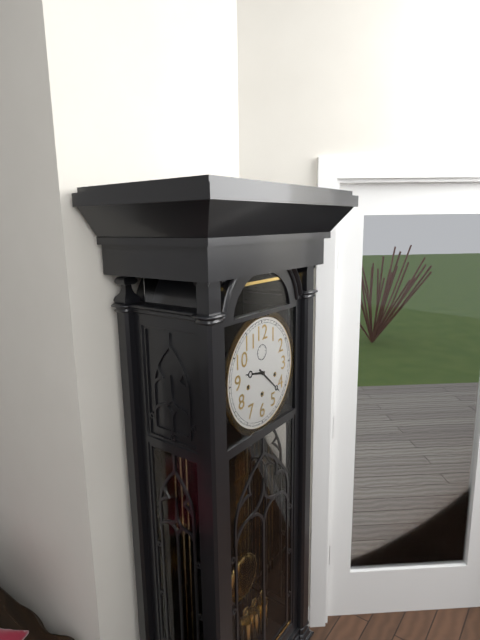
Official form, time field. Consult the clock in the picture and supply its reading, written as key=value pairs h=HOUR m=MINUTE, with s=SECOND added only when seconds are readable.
h=9 m=22
